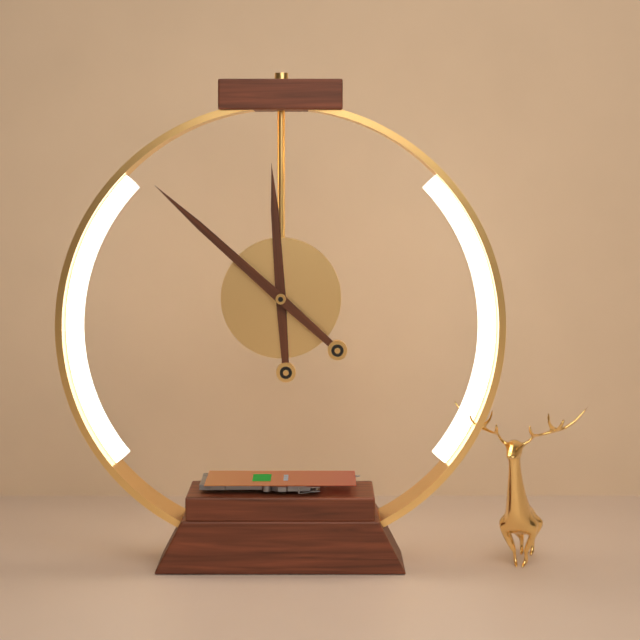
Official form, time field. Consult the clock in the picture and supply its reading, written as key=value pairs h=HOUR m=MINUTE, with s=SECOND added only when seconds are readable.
h=11 m=52
